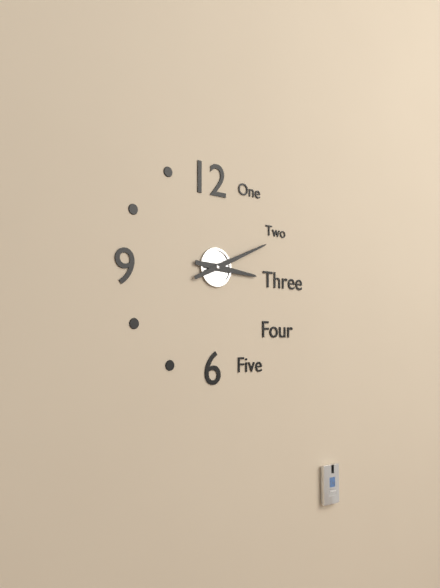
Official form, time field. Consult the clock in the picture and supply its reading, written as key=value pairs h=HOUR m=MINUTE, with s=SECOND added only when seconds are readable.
h=3 m=11
